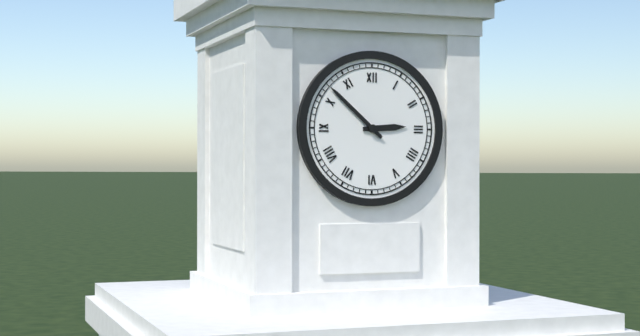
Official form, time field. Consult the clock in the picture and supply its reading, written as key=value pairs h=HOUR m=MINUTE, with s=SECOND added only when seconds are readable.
h=2 m=52
